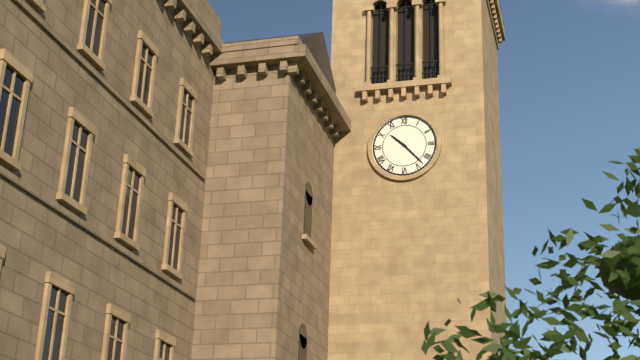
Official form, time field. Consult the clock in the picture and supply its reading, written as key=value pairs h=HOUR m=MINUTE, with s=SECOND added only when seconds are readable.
h=10 m=23
